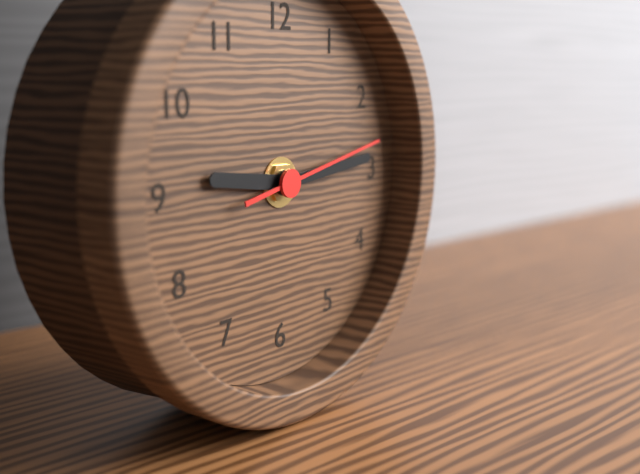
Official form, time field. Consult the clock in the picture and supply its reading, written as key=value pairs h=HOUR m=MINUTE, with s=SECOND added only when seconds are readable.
h=9 m=14 s=13
